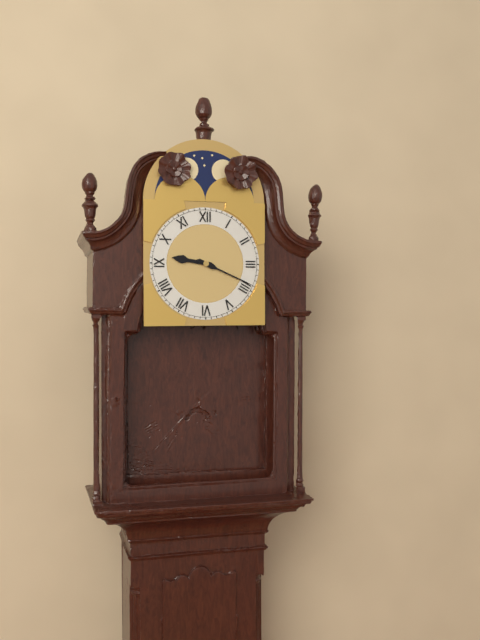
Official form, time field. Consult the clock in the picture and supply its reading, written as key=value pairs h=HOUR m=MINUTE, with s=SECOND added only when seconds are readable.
h=9 m=19
